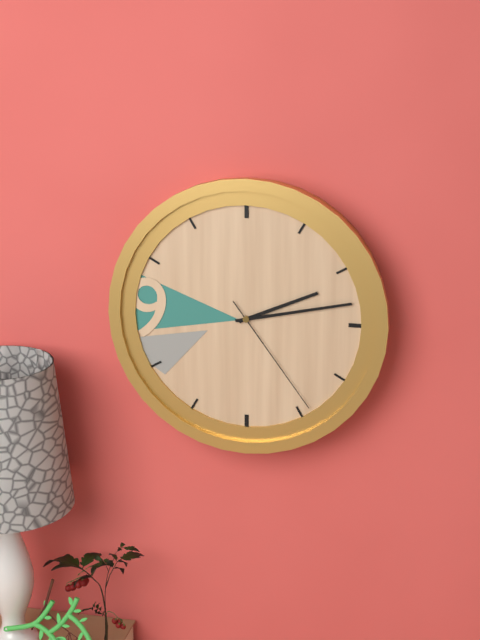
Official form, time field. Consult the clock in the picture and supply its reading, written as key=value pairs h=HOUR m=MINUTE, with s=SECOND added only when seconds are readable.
h=2 m=13 s=24
